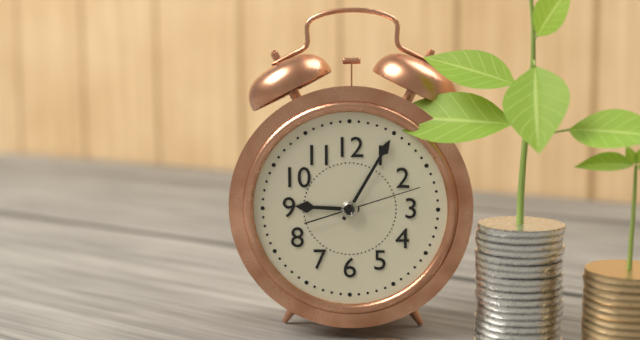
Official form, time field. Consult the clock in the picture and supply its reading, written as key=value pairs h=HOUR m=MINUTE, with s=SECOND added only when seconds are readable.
h=9 m=5 s=12
